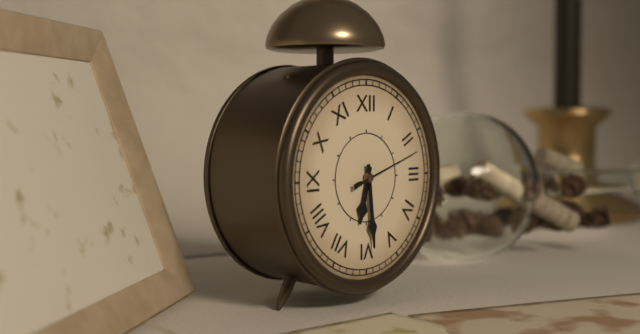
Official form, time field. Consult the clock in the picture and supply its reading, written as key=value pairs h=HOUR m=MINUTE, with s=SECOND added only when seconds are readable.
h=6 m=29 s=12
